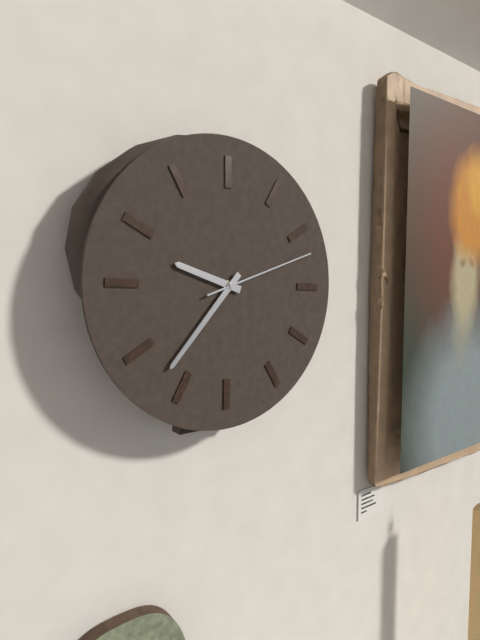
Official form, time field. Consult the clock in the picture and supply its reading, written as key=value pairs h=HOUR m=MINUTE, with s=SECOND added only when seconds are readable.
h=9 m=37 s=12
